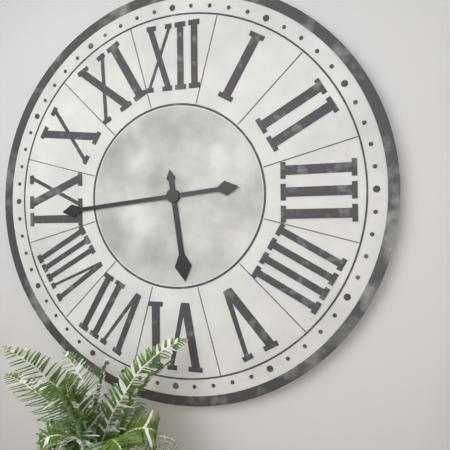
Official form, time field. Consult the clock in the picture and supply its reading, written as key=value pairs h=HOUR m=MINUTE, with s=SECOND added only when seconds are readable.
h=5 m=44
